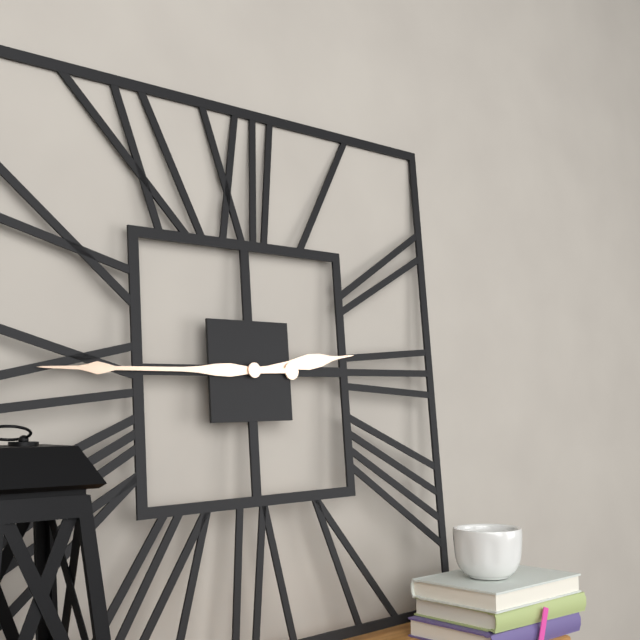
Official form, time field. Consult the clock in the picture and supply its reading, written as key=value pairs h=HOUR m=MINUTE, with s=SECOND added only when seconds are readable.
h=2 m=45
